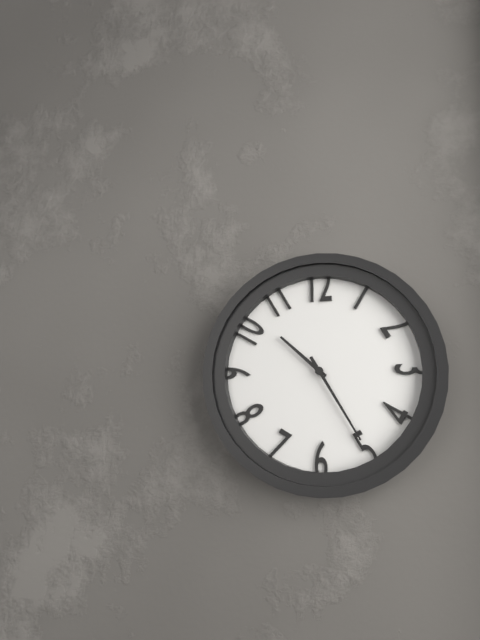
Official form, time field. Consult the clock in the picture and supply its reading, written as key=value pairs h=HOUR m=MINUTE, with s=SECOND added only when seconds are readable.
h=10 m=25
